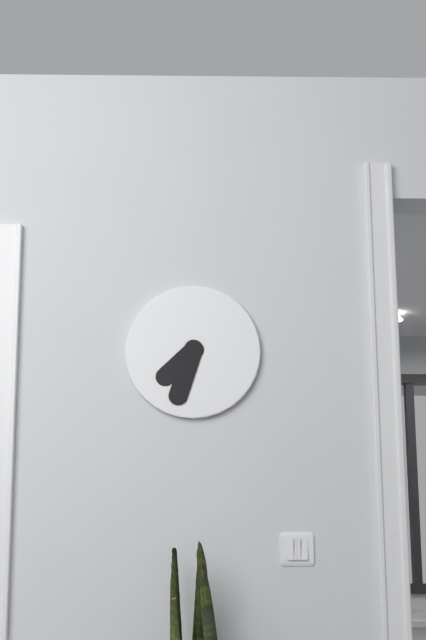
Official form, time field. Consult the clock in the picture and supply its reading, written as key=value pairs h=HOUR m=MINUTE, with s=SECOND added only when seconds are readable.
h=7 m=33
